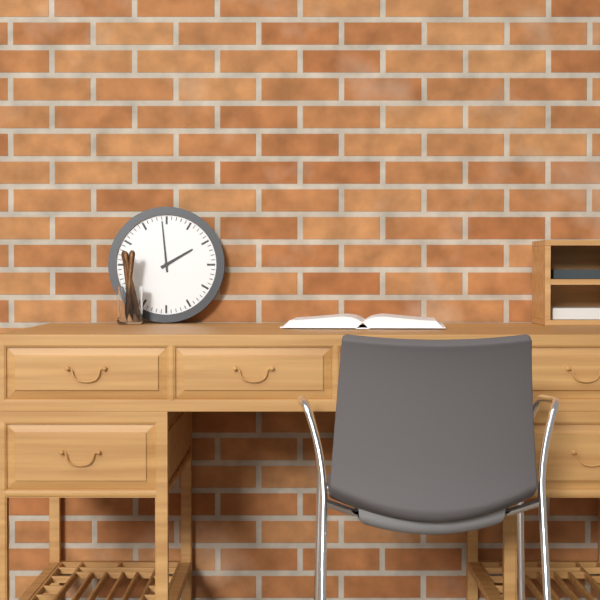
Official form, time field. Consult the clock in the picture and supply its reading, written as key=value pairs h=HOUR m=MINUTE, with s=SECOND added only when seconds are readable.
h=1 m=59
